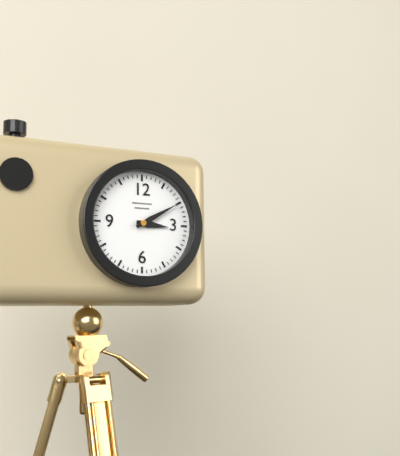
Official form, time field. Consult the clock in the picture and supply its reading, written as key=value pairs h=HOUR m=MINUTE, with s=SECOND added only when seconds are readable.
h=3 m=10
